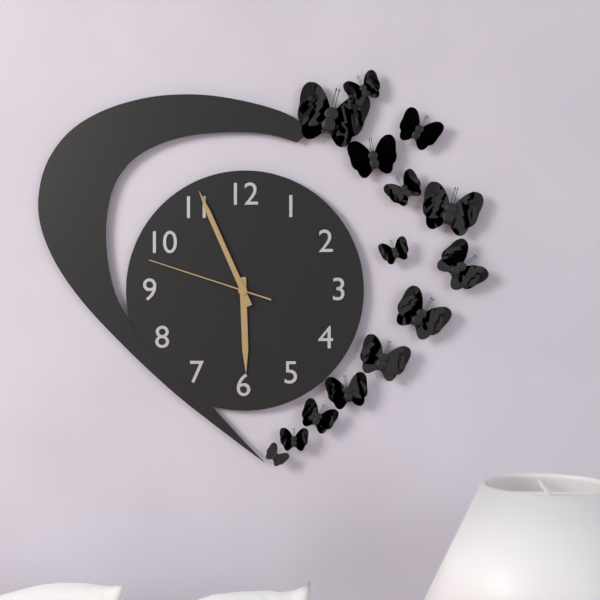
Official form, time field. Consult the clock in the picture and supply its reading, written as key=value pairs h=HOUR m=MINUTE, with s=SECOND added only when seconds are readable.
h=5 m=56 s=48
